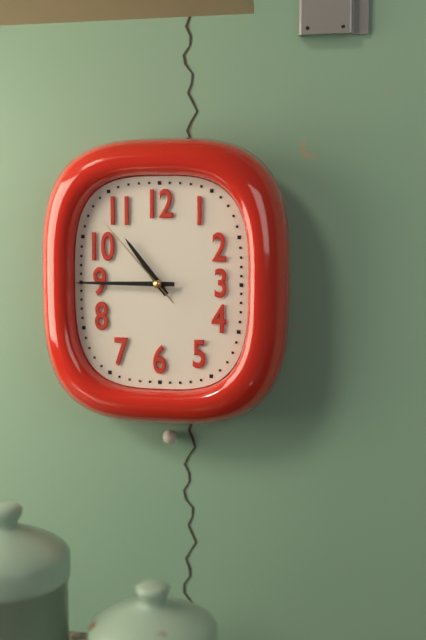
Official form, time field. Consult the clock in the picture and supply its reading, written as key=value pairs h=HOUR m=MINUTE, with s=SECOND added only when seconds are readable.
h=10 m=45 s=53
